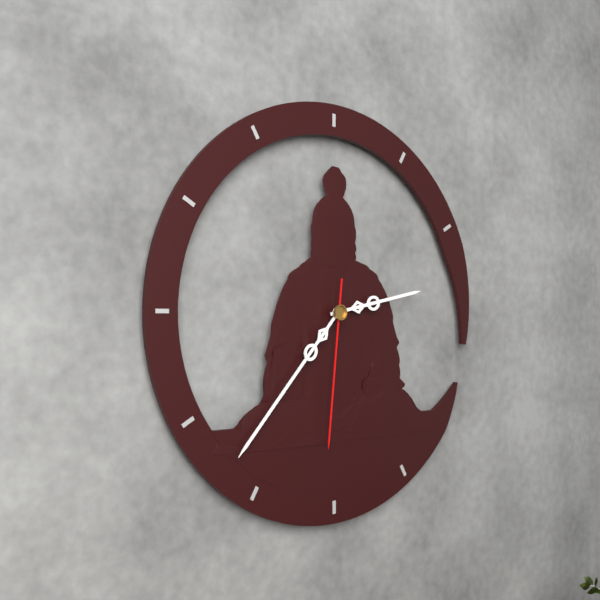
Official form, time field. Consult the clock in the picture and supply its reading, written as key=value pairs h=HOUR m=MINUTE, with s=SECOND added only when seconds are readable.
h=2 m=37 s=31
